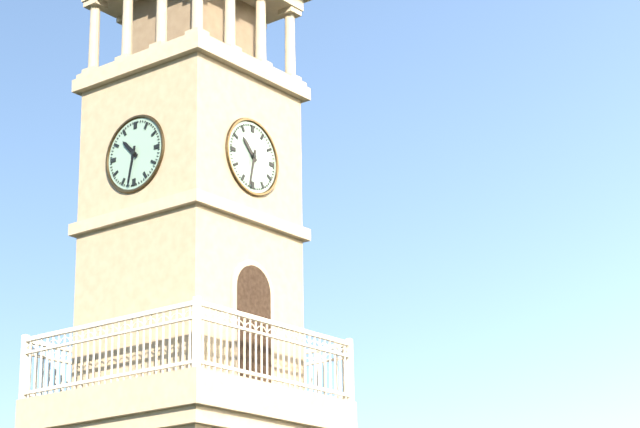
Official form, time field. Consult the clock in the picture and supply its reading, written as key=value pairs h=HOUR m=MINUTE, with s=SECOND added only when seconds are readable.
h=10 m=32
